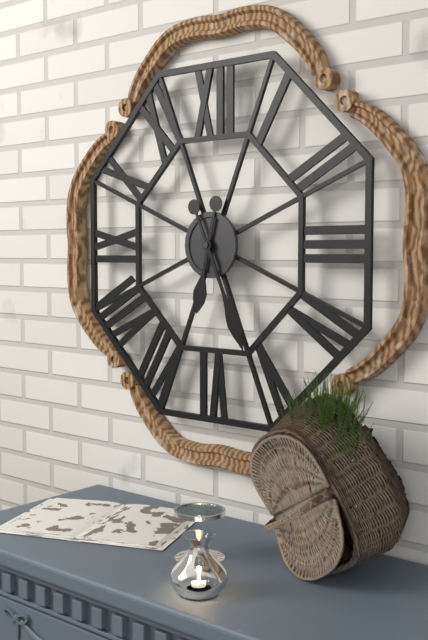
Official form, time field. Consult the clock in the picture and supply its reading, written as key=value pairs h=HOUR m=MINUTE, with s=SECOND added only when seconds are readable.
h=6 m=26
